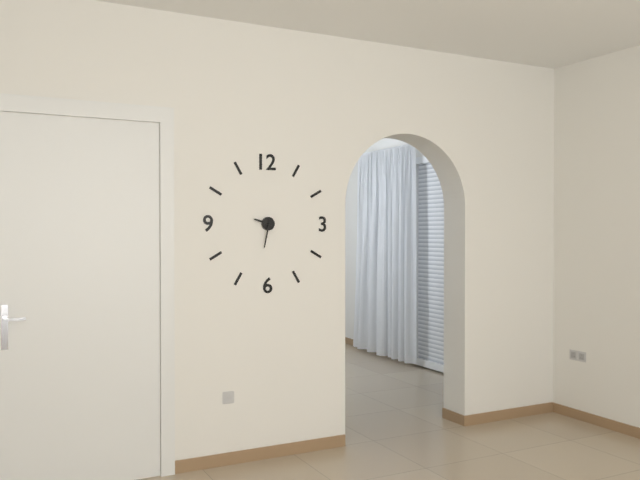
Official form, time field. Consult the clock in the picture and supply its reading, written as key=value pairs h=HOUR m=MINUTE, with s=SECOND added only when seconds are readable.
h=9 m=32
